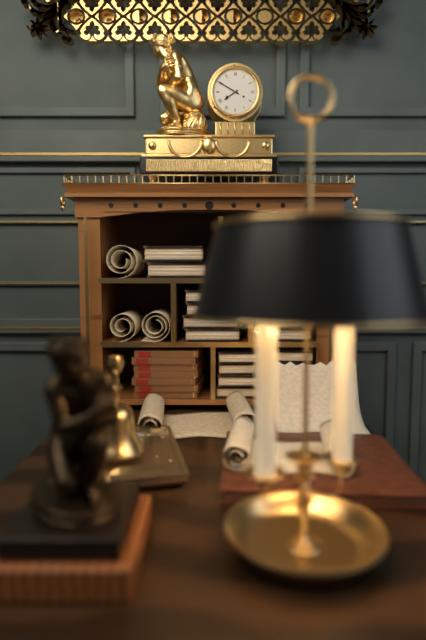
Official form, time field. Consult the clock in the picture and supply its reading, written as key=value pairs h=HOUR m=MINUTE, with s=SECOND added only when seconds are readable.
h=7 m=50
